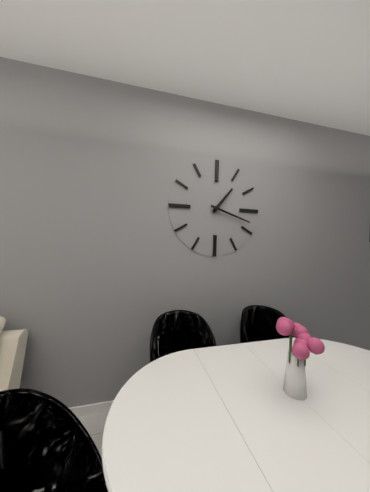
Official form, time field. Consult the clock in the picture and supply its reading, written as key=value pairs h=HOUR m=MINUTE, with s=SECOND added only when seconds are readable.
h=1 m=18
